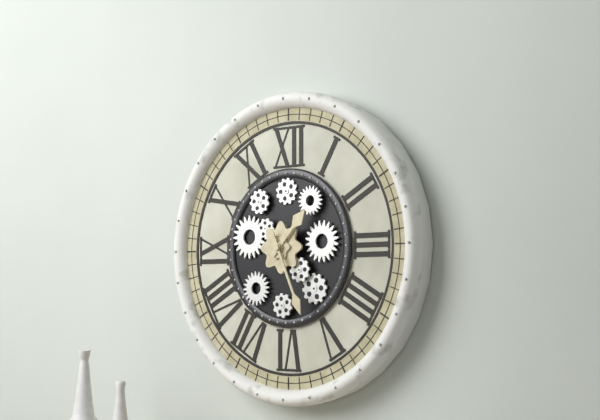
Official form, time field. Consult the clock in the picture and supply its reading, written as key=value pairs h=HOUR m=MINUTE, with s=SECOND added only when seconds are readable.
h=1 m=26
